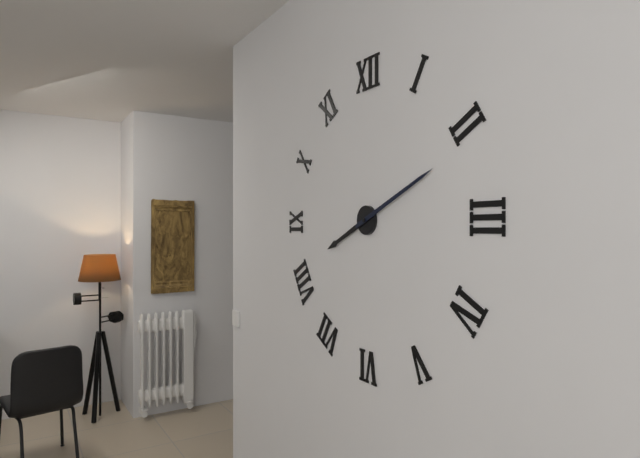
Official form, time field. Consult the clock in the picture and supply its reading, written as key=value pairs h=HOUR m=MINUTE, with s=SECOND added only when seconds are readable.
h=8 m=11
